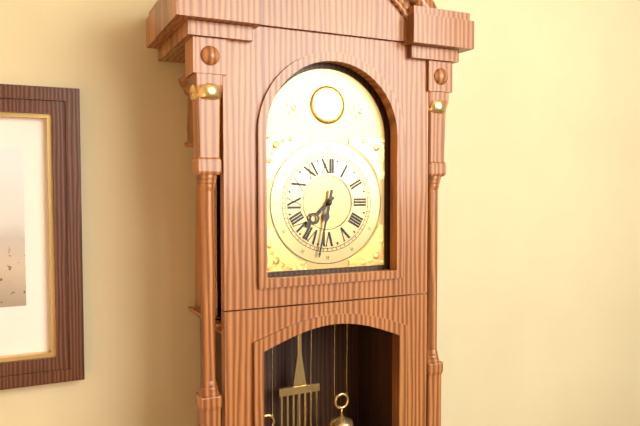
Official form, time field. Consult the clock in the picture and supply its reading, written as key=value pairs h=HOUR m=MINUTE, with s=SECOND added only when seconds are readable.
h=7 m=32
